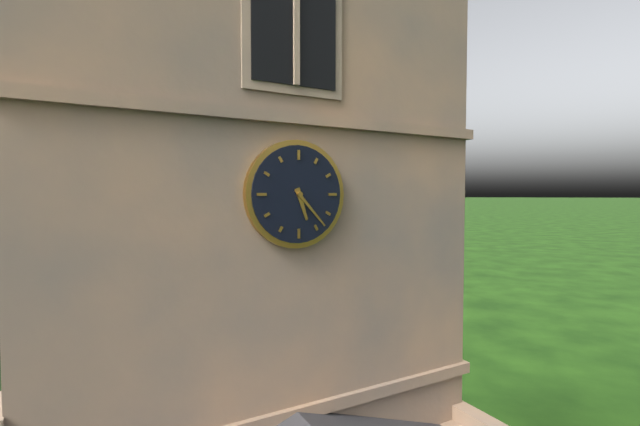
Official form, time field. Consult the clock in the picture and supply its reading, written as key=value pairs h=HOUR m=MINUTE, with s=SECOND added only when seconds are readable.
h=5 m=23
